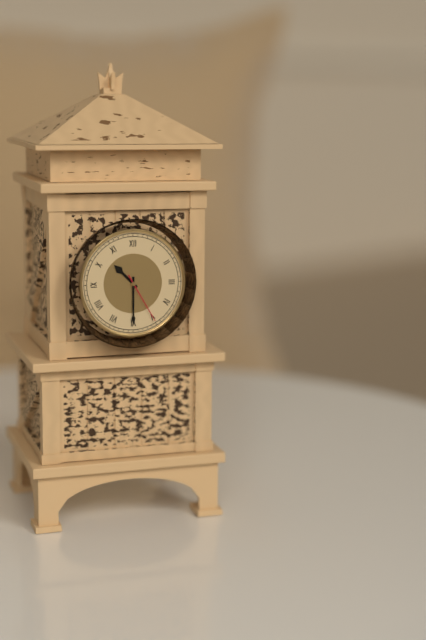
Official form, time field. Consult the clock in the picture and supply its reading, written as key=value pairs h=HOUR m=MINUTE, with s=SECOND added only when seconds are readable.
h=10 m=30 s=25
